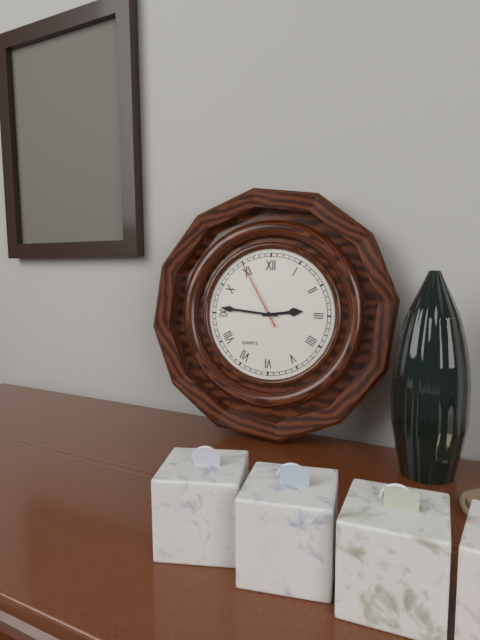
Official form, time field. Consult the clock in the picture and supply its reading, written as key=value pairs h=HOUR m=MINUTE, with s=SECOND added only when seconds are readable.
h=2 m=46 s=55
